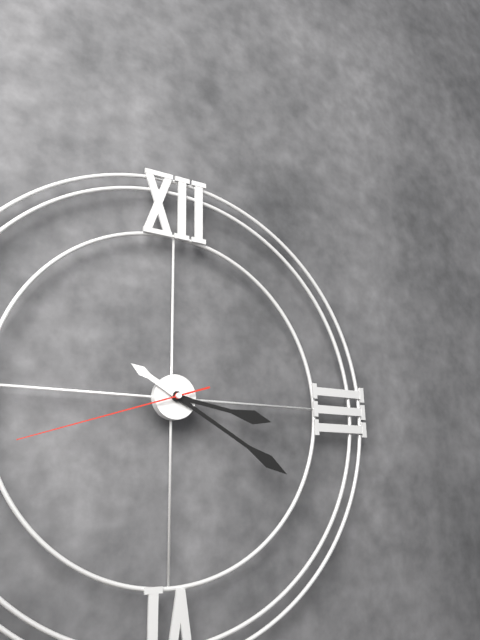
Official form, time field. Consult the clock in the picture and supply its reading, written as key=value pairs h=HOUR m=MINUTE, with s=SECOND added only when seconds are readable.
h=3 m=20 s=42
